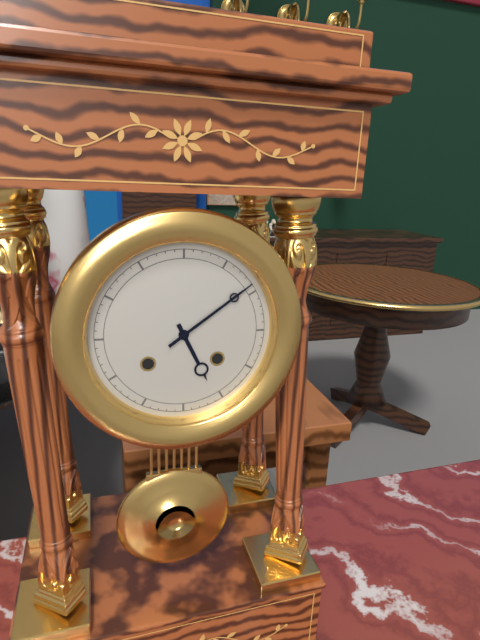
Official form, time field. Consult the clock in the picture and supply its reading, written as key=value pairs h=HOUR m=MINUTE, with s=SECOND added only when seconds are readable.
h=5 m=9
